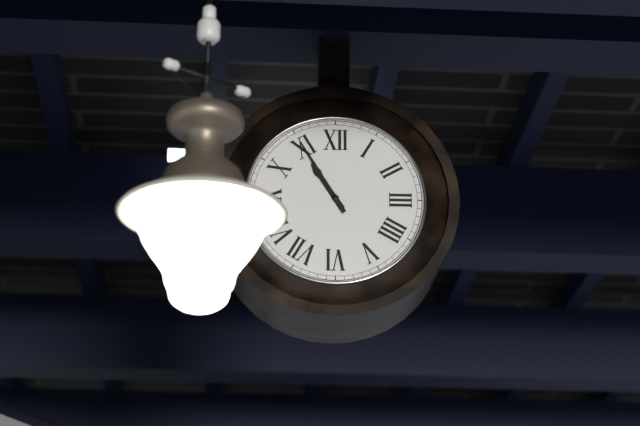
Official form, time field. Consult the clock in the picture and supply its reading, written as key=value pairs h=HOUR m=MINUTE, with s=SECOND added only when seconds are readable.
h=10 m=55
